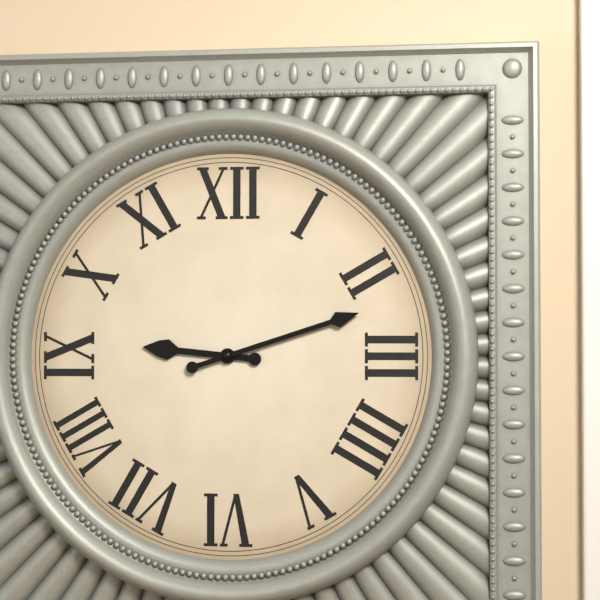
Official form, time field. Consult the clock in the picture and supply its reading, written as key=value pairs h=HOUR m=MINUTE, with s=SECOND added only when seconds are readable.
h=9 m=12
